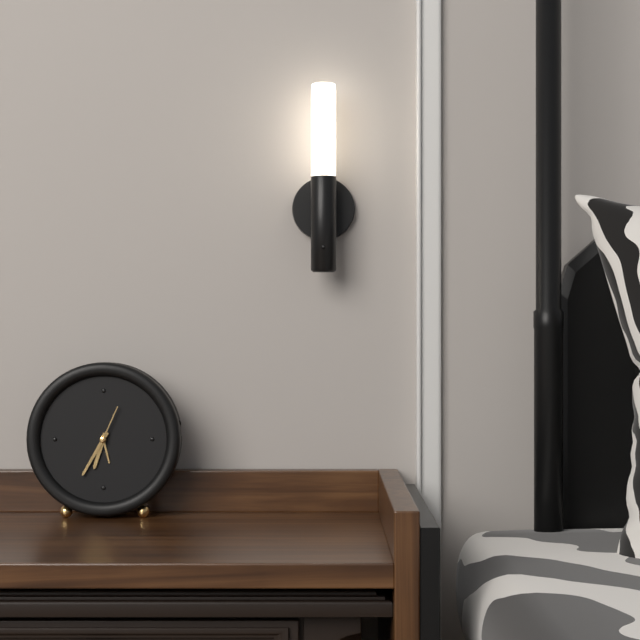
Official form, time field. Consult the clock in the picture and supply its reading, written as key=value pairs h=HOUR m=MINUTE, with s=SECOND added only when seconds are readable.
h=6 m=35
